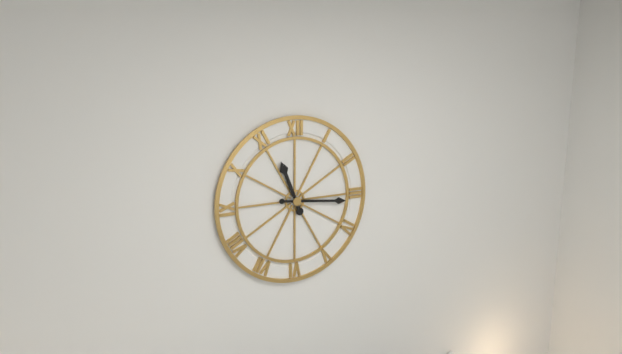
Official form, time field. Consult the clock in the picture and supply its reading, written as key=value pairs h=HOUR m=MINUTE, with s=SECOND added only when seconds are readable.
h=11 m=16
